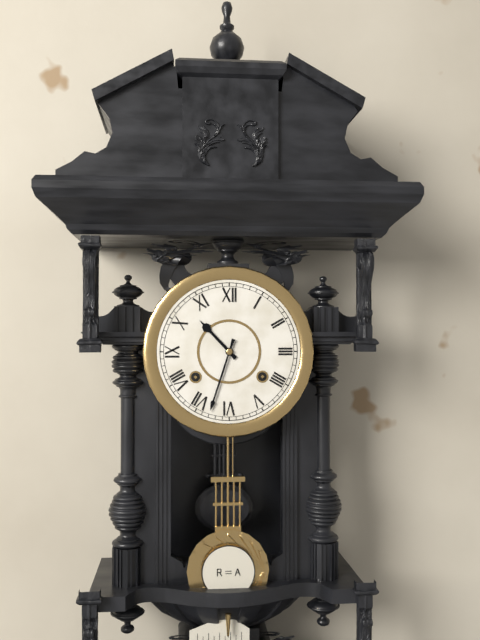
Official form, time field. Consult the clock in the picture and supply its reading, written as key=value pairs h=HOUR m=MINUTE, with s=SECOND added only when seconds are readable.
h=10 m=33
